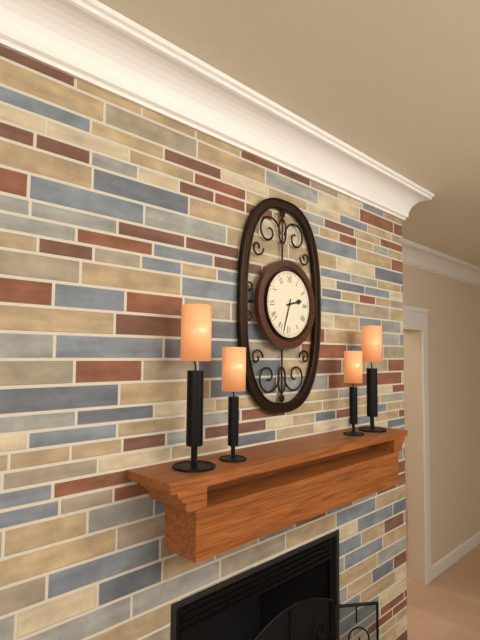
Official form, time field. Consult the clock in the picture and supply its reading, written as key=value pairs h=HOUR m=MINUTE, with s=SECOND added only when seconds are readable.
h=2 m=33
